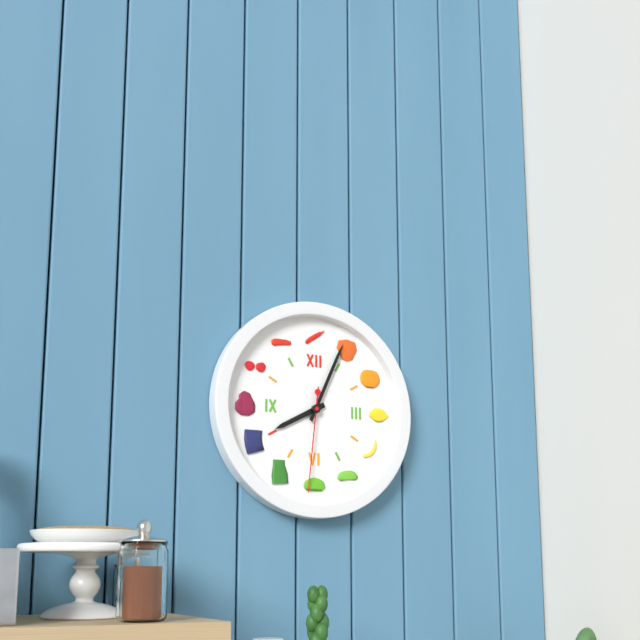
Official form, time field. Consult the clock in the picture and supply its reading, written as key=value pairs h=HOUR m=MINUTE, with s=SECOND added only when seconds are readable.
h=8 m=4 s=31
